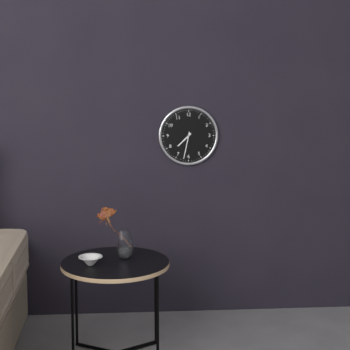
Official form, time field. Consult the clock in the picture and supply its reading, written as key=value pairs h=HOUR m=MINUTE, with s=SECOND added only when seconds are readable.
h=7 m=32
